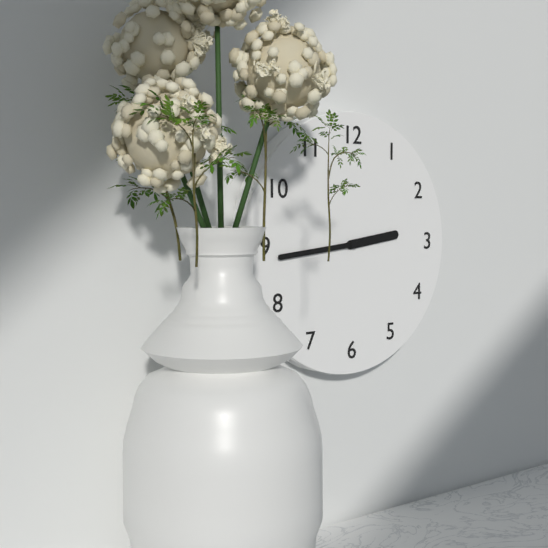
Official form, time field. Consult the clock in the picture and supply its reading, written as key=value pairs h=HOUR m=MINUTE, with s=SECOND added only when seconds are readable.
h=2 m=44
